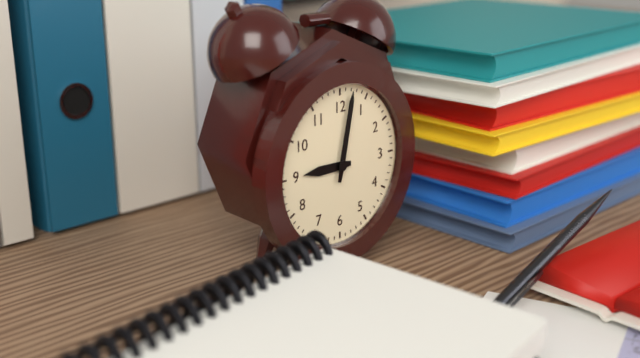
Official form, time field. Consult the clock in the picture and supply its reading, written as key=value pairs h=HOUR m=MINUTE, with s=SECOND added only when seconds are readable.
h=9 m=2
